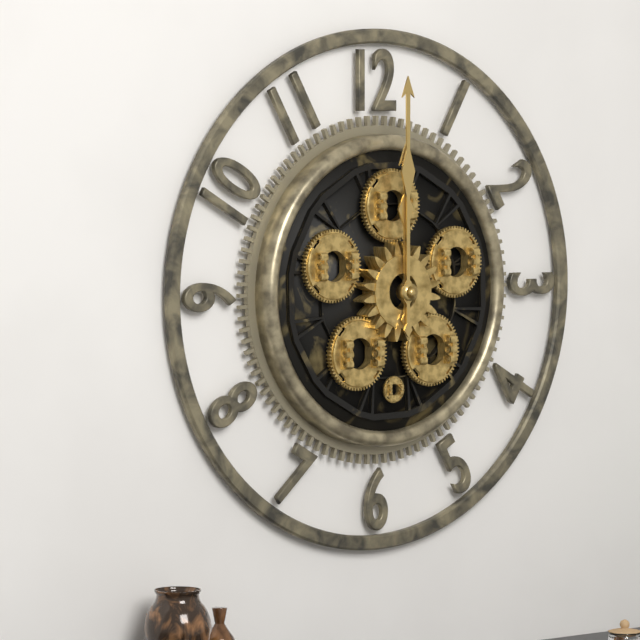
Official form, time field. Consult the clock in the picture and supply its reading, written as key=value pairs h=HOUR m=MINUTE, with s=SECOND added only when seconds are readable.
h=12 m=0
